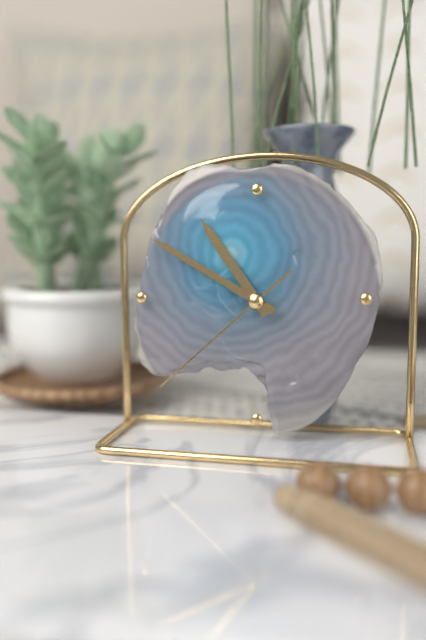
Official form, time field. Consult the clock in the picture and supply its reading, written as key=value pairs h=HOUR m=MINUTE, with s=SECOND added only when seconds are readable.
h=10 m=50 s=38
